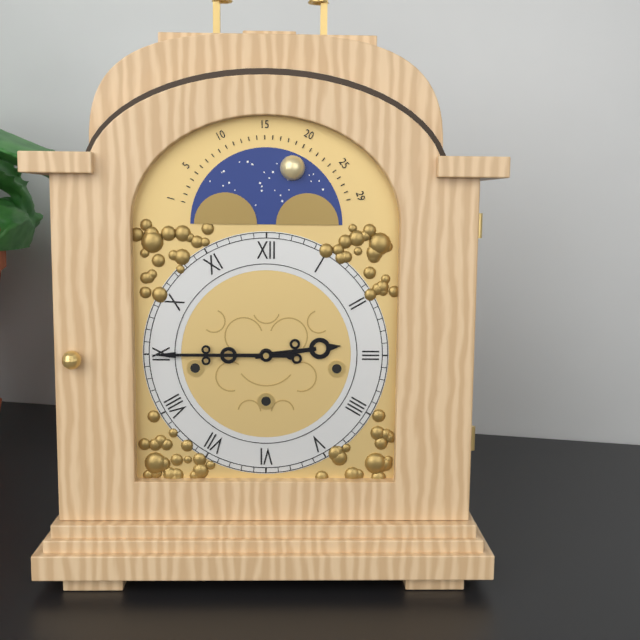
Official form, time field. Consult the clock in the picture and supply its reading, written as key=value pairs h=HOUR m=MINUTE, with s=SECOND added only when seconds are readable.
h=2 m=45
